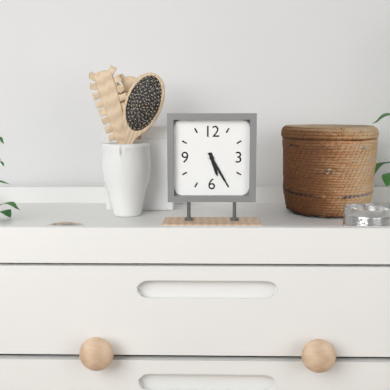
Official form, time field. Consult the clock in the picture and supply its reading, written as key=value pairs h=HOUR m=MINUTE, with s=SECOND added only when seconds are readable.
h=5 m=25
